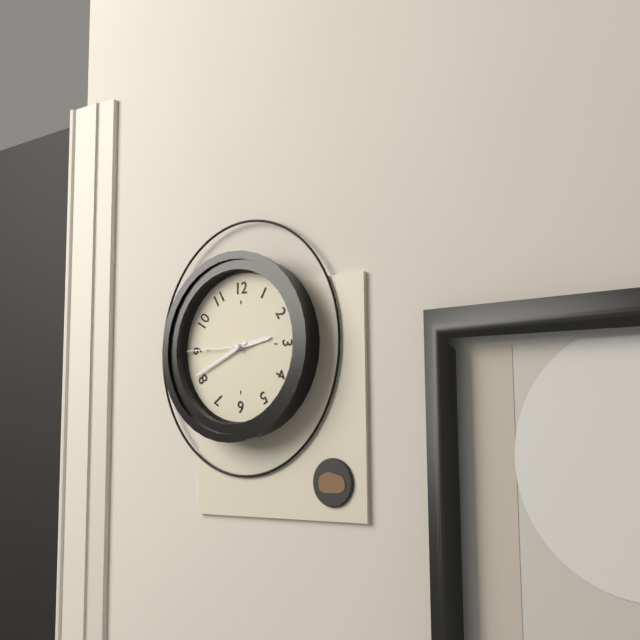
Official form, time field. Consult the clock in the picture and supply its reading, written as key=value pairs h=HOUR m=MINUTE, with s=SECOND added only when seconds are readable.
h=2 m=41 s=45
